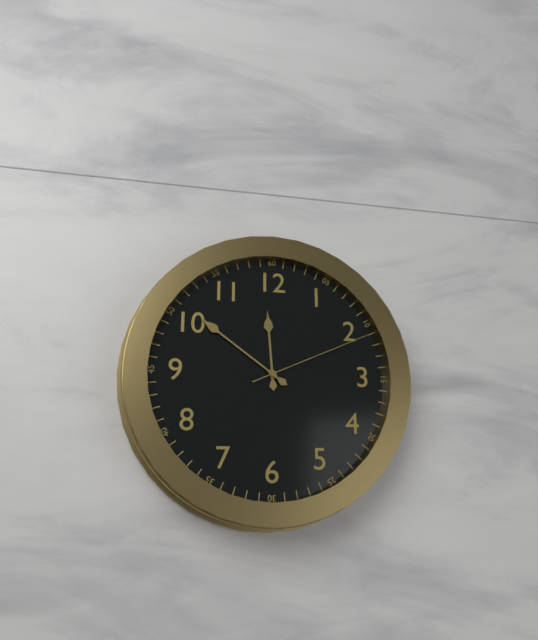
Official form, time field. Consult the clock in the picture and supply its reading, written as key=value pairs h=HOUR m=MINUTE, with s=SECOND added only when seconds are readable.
h=11 m=51 s=11
